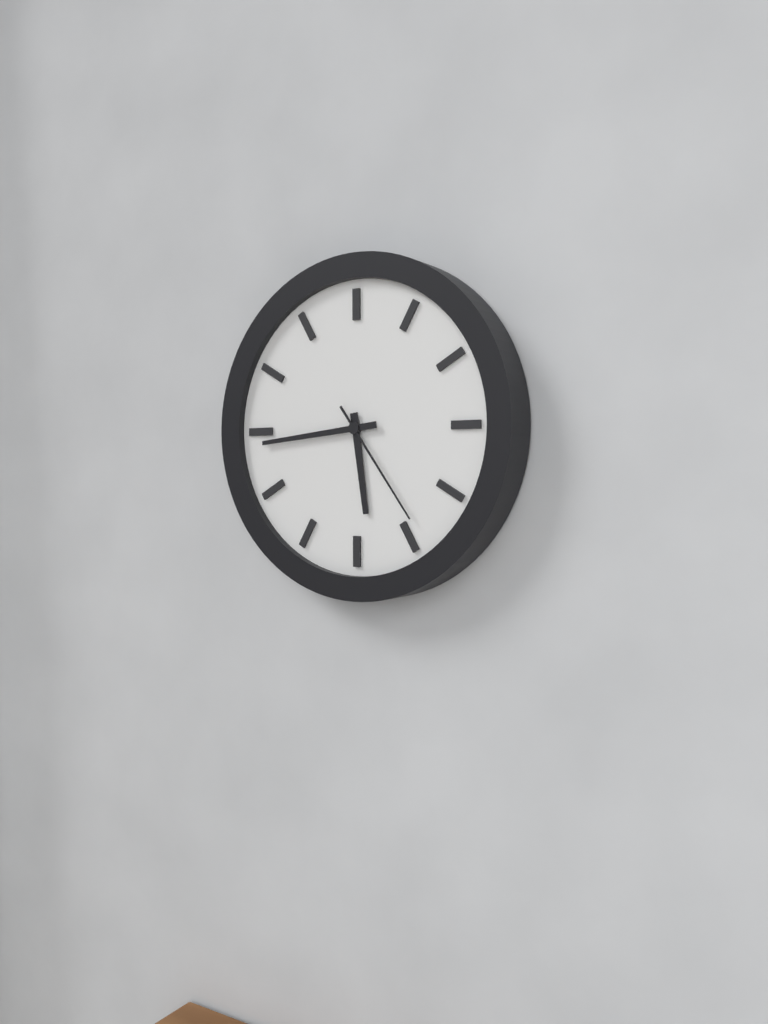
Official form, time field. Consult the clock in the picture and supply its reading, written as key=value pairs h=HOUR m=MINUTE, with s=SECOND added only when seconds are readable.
h=5 m=44 s=24
